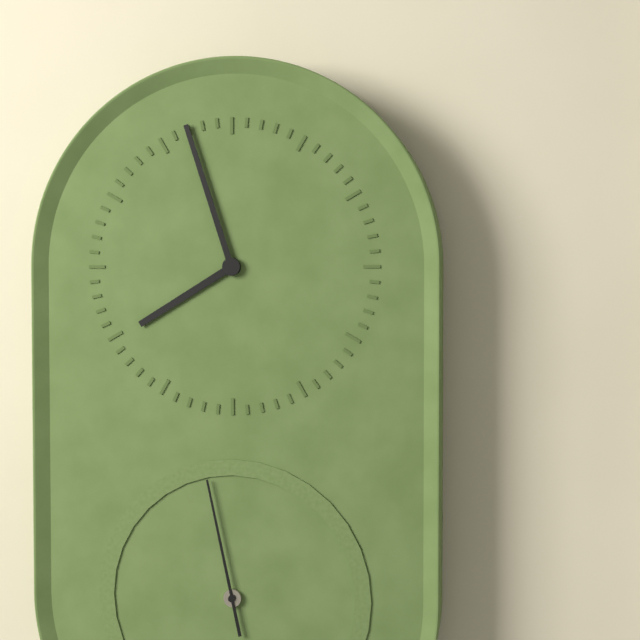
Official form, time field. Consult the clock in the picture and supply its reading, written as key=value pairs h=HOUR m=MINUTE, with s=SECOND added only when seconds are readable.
h=7 m=57 s=58
